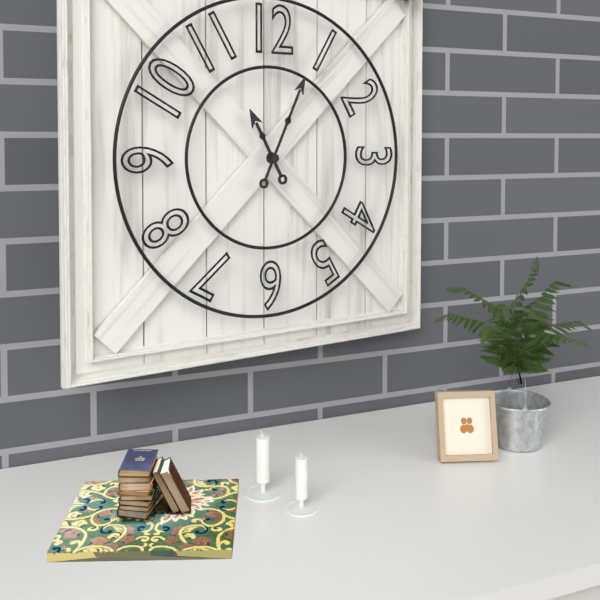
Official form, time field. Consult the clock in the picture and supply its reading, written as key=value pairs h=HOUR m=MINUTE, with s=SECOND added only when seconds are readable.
h=11 m=4
